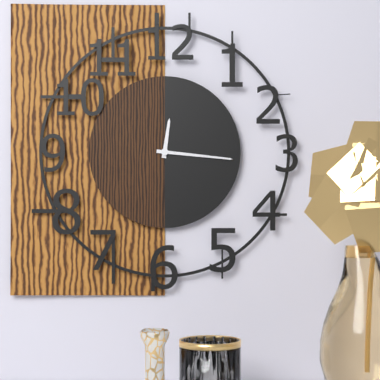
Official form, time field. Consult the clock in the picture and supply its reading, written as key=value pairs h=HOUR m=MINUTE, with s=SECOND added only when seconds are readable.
h=12 m=16
